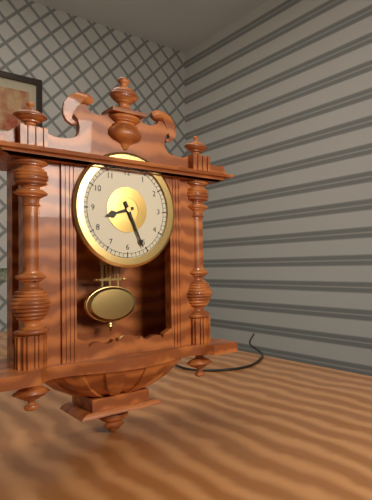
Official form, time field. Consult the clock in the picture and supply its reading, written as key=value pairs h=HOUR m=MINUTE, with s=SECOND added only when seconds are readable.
h=8 m=26
